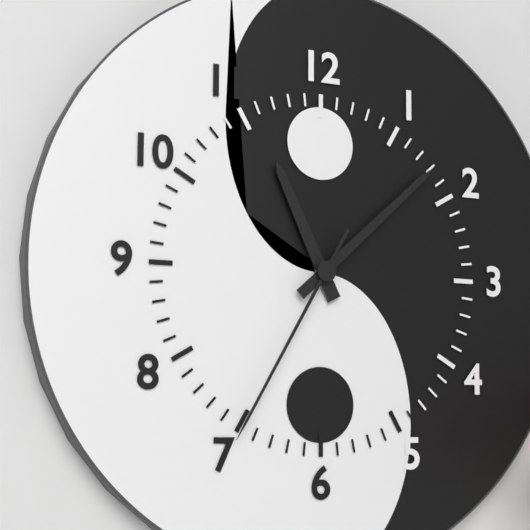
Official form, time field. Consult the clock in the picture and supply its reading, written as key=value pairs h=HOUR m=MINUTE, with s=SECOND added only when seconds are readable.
h=11 m=8 s=35
